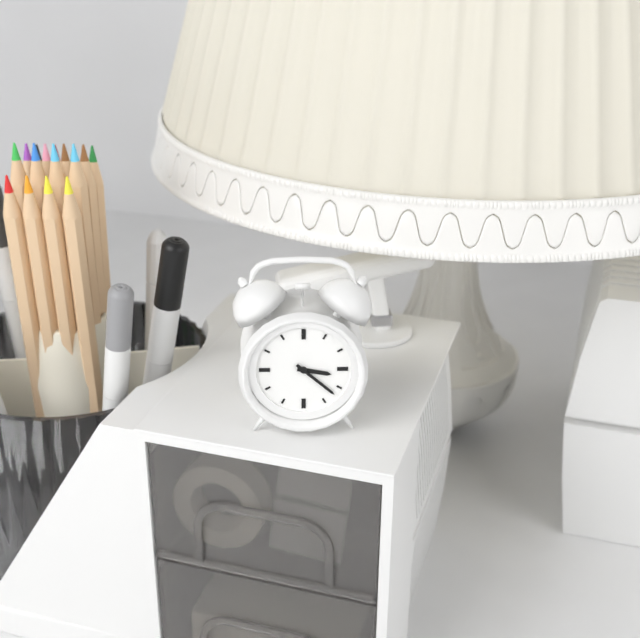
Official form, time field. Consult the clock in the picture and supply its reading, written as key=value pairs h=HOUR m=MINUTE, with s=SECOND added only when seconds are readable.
h=3 m=22
